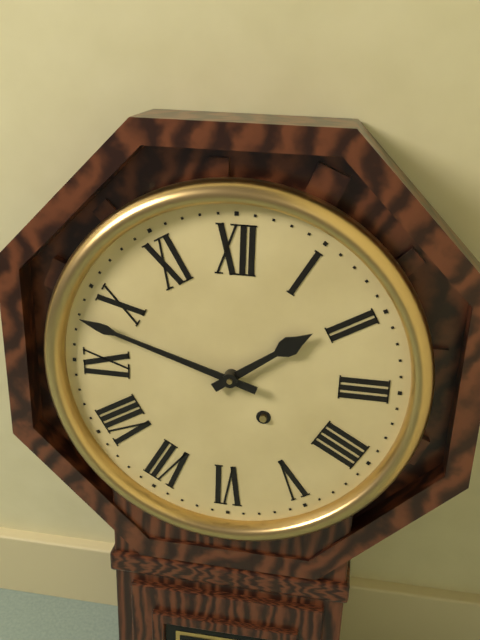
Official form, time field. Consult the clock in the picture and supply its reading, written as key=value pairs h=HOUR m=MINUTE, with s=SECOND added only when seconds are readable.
h=1 m=48
